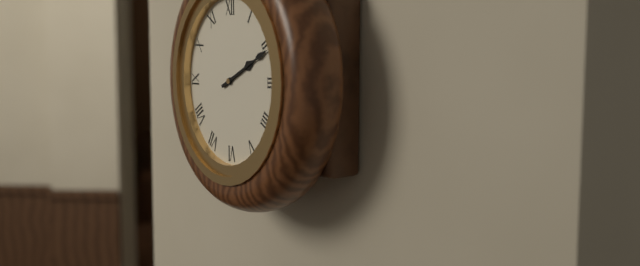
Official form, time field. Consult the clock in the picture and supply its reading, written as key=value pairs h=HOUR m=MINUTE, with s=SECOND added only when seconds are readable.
h=2 m=11
